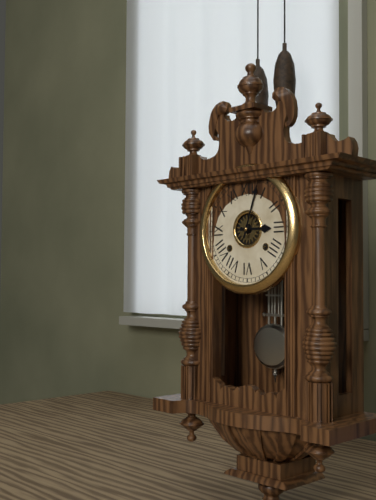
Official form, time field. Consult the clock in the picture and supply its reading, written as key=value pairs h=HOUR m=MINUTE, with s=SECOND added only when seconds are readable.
h=3 m=3
